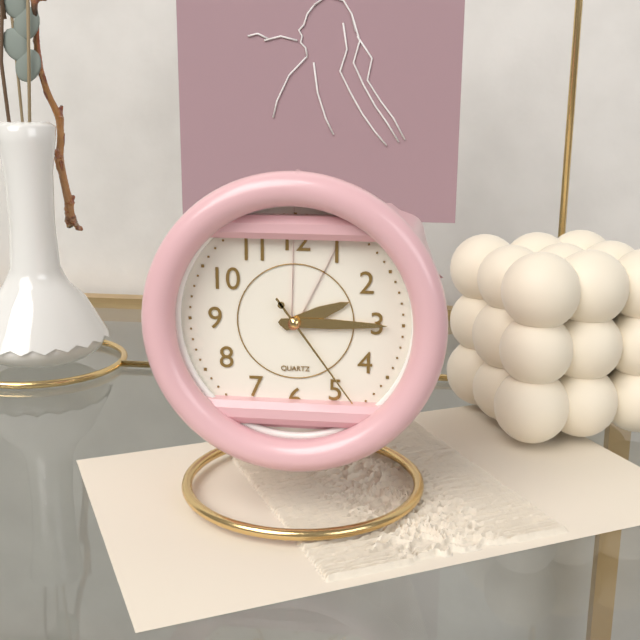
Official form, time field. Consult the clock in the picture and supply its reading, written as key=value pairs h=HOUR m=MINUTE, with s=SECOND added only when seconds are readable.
h=2 m=15 s=24
